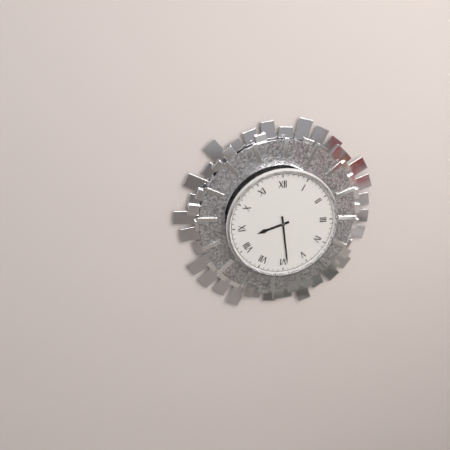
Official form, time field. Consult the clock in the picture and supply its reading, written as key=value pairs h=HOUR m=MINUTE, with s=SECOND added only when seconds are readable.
h=8 m=29
